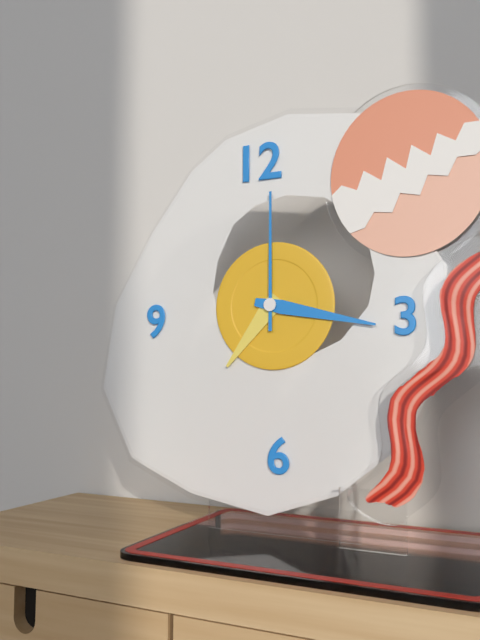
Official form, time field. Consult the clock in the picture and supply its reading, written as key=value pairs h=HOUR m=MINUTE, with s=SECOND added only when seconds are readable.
h=7 m=17 s=0
